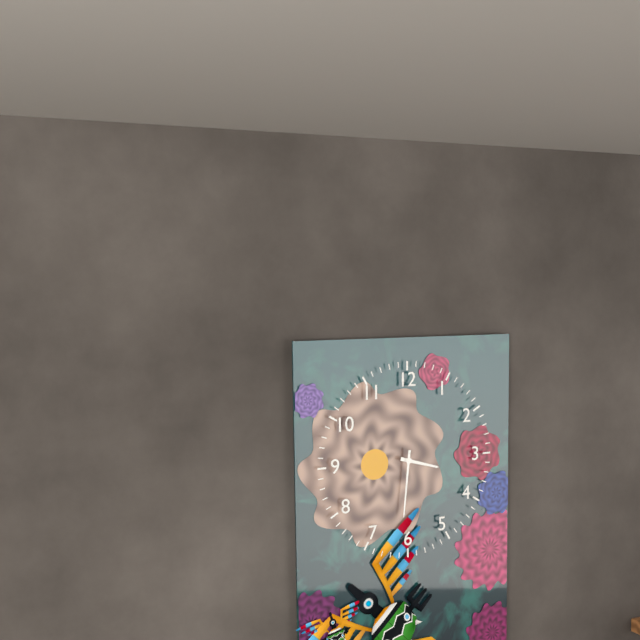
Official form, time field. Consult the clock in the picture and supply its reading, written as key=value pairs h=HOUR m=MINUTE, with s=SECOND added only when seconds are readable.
h=3 m=31
